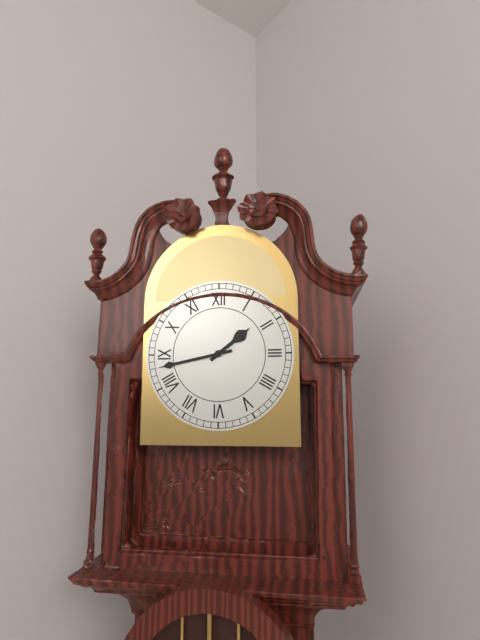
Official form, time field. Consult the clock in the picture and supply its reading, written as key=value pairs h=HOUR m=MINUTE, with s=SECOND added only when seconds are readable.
h=1 m=43
